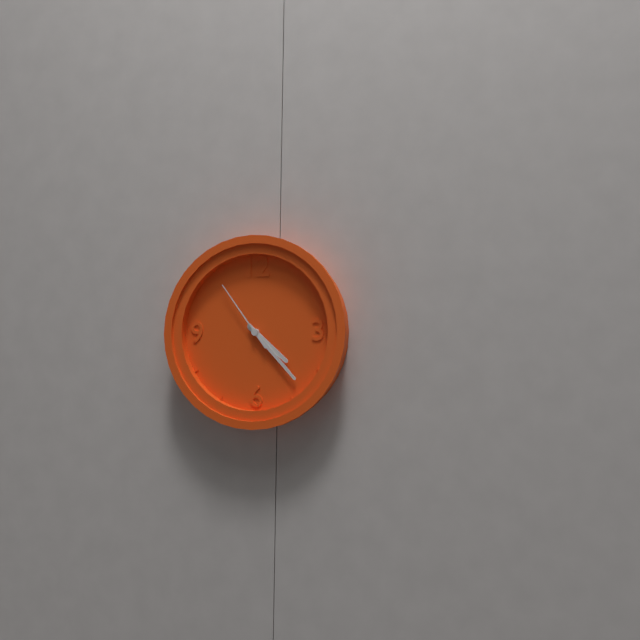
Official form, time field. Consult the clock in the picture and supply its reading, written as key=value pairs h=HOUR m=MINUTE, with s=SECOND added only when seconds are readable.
h=4 m=23 s=54
